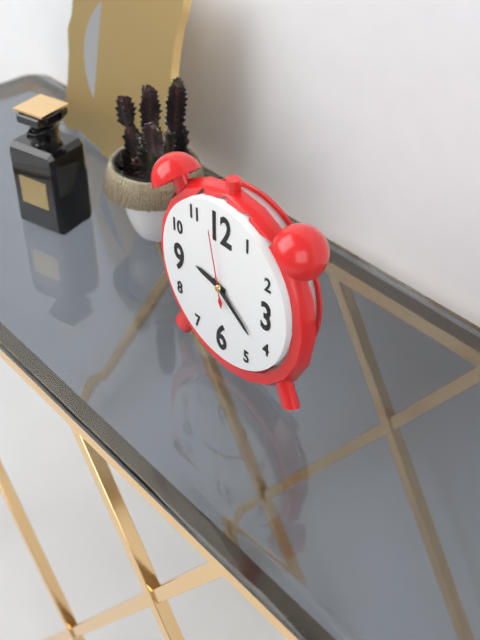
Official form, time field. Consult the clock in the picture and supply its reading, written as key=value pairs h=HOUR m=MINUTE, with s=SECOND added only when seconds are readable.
h=9 m=21 s=58
